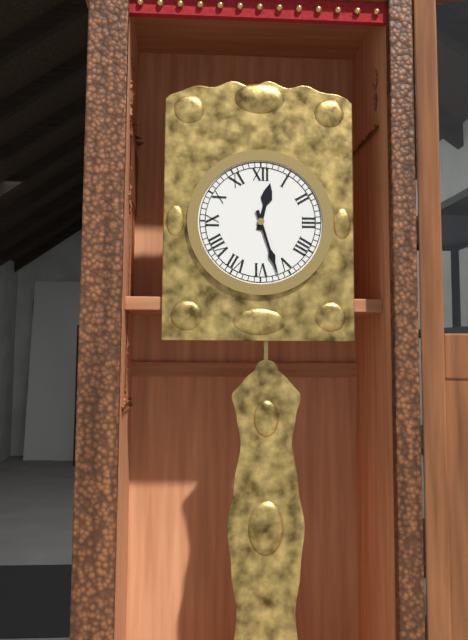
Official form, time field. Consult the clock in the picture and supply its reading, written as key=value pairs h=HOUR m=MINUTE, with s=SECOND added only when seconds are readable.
h=12 m=27
